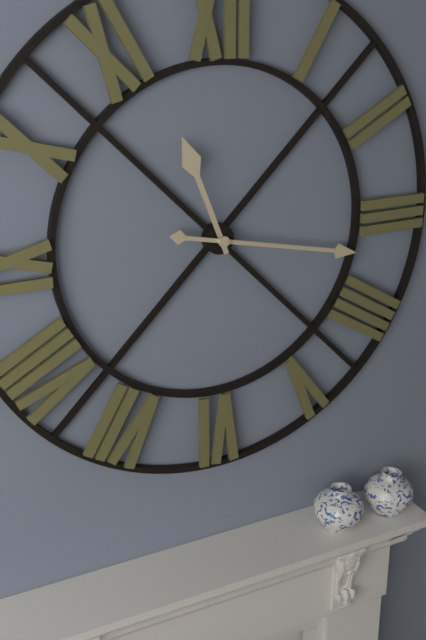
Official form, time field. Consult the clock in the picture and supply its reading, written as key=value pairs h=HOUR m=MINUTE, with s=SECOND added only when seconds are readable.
h=11 m=17
